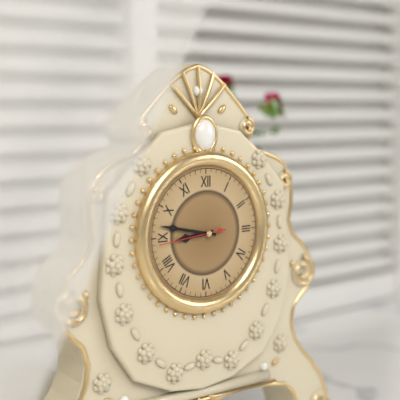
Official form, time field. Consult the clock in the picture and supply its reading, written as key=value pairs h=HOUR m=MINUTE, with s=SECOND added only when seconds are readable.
h=8 m=47 s=44
